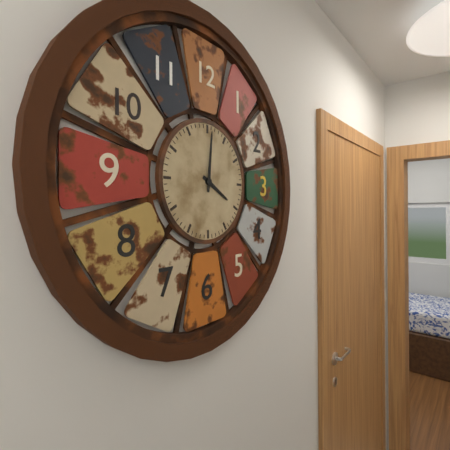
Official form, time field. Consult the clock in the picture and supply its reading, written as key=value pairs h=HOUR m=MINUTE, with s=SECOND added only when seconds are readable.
h=4 m=1
